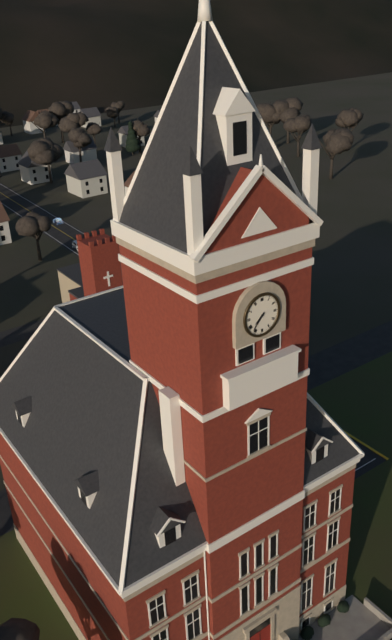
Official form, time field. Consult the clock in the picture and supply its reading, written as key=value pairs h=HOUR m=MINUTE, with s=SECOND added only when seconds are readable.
h=7 m=37
